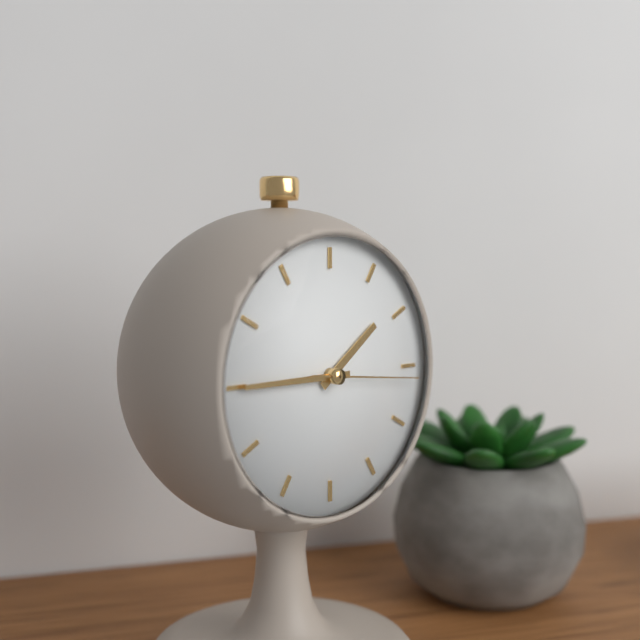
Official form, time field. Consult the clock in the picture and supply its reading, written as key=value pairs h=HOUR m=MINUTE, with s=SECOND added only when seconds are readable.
h=1 m=45 s=16
